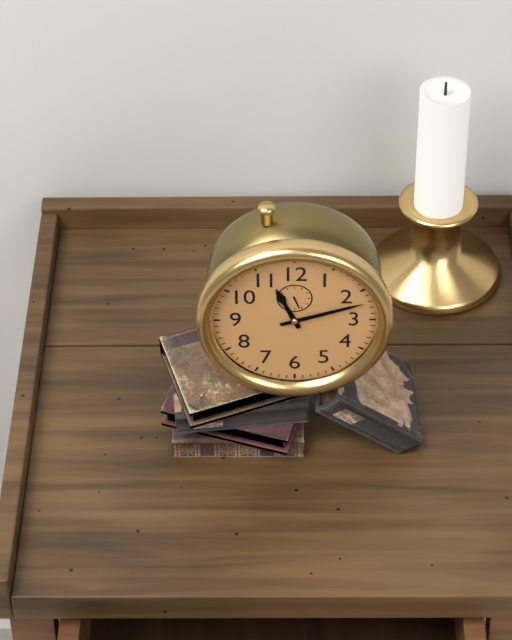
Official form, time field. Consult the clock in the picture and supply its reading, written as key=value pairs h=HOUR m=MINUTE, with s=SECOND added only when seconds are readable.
h=11 m=12
